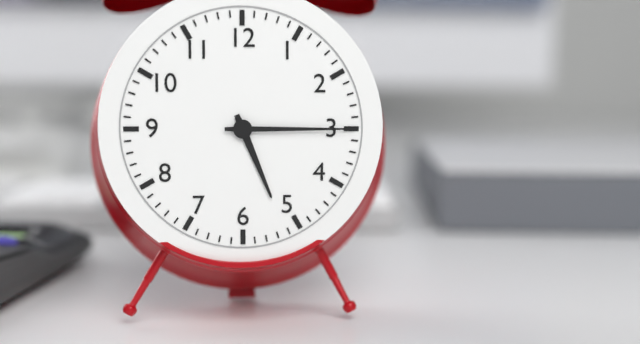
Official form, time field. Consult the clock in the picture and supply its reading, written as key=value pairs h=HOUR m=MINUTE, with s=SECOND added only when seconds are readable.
h=5 m=15
